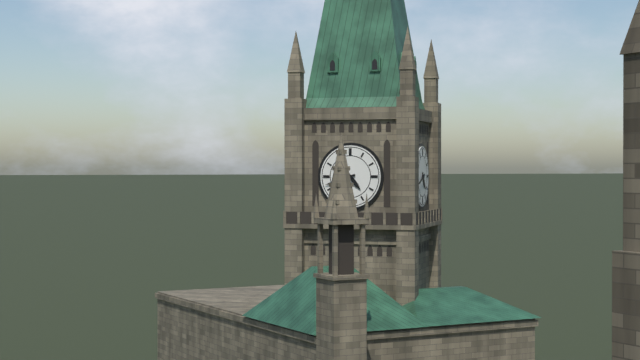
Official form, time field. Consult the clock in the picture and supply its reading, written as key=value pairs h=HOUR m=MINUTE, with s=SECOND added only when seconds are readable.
h=4 m=42
